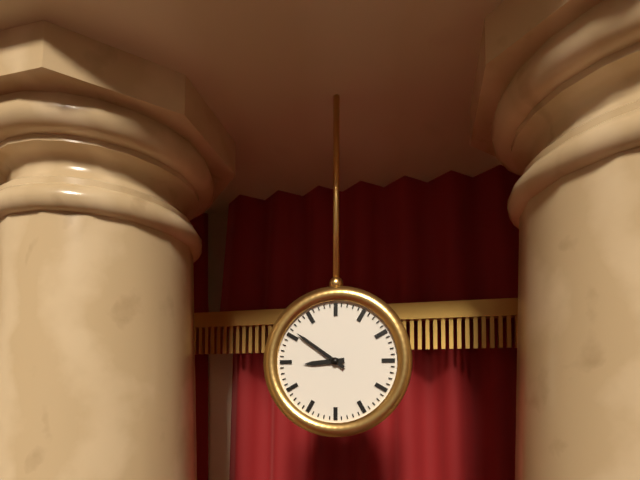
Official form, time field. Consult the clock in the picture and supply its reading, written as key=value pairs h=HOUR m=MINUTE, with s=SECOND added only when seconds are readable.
h=8 m=51
